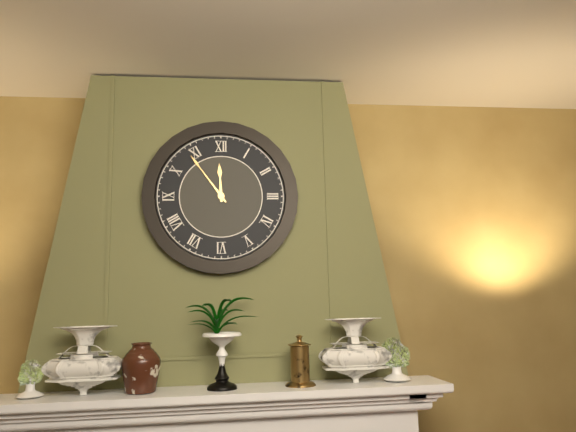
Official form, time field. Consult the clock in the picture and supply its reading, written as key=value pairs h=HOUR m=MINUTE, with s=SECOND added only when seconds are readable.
h=11 m=54
